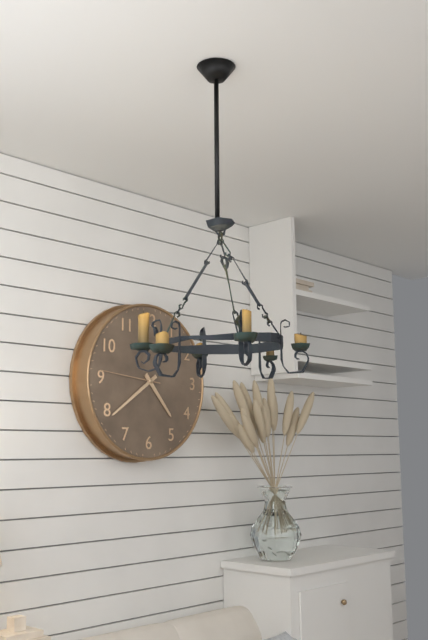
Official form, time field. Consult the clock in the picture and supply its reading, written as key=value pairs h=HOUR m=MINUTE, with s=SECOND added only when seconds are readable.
h=4 m=39 s=46
